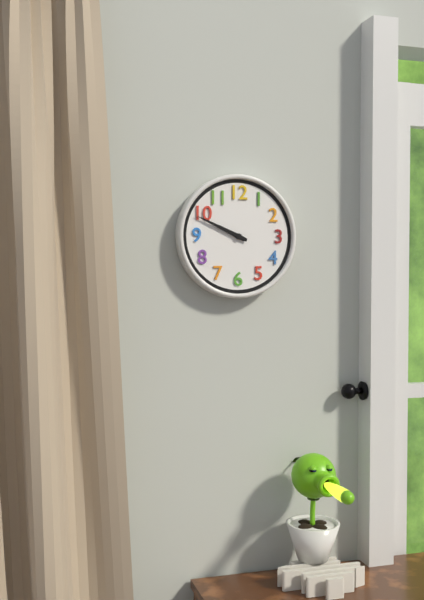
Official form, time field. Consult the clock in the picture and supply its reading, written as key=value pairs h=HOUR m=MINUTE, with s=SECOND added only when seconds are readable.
h=9 m=49
